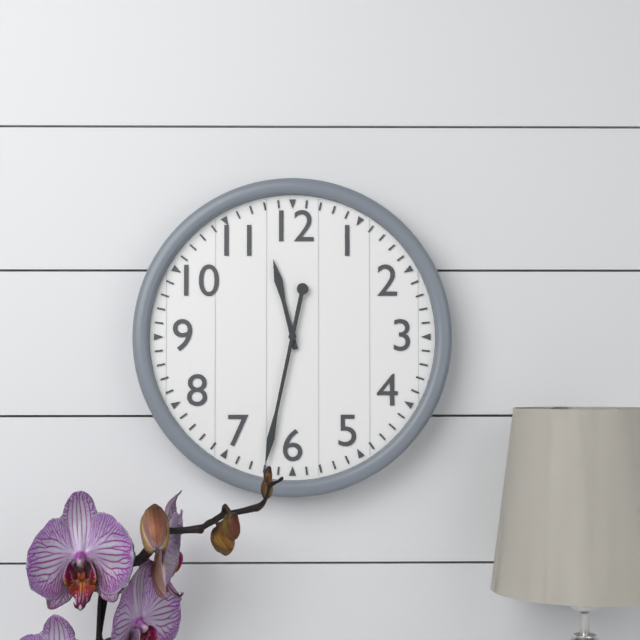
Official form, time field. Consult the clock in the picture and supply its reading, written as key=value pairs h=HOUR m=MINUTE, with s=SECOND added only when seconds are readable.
h=11 m=32
